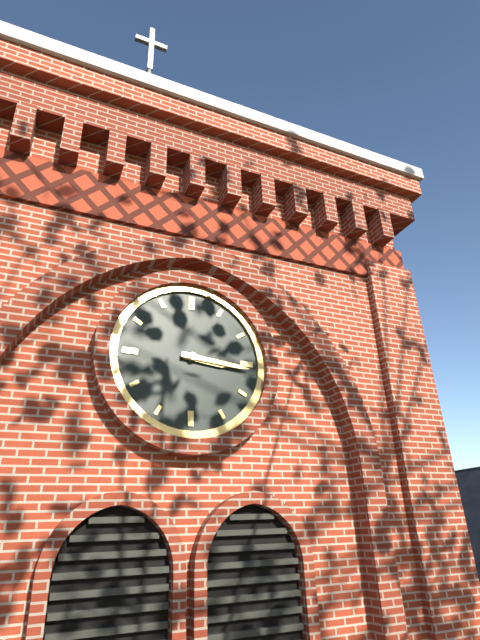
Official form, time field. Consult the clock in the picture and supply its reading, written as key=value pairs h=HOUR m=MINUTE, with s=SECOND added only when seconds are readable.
h=3 m=16
